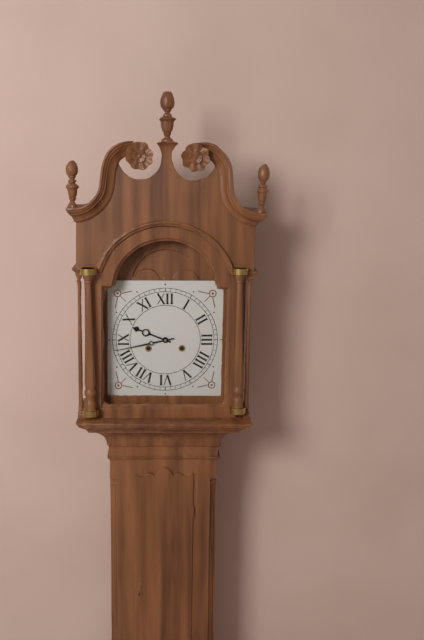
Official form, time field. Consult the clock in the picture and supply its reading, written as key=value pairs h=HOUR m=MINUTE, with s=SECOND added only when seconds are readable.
h=9 m=43
